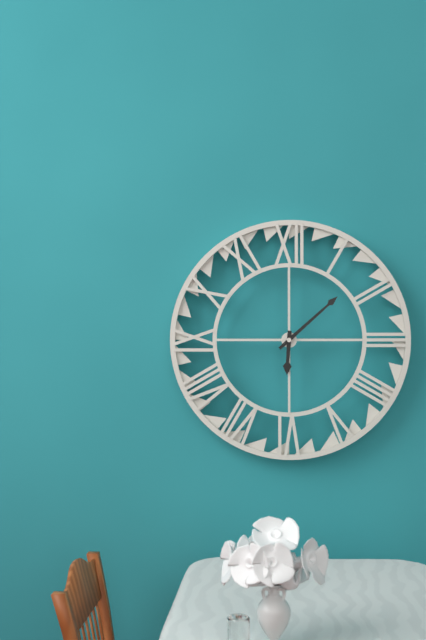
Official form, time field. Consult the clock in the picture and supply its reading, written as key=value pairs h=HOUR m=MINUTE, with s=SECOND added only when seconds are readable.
h=6 m=8
